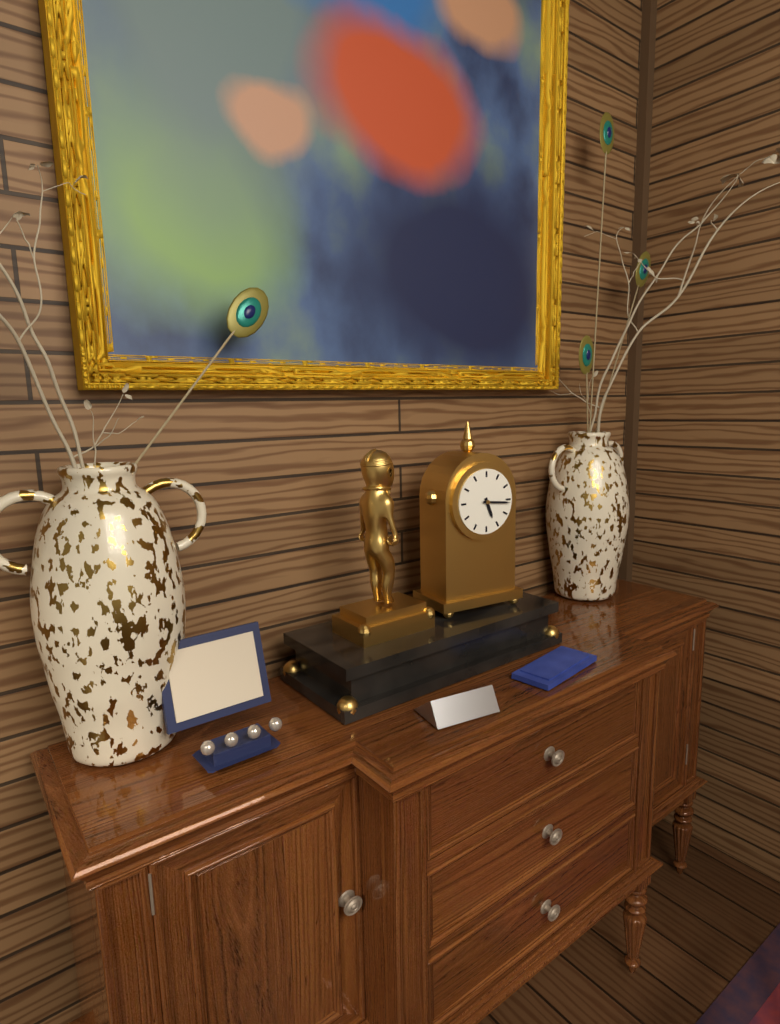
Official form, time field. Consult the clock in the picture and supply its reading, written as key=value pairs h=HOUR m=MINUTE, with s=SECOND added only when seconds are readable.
h=5 m=16
